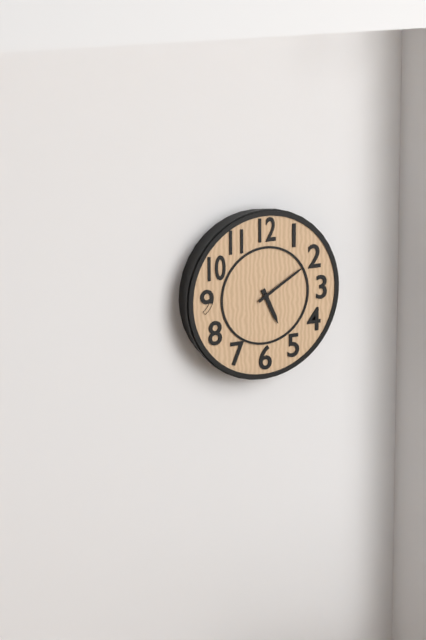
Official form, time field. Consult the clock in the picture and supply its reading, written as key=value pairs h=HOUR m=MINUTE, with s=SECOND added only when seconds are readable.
h=5 m=10
